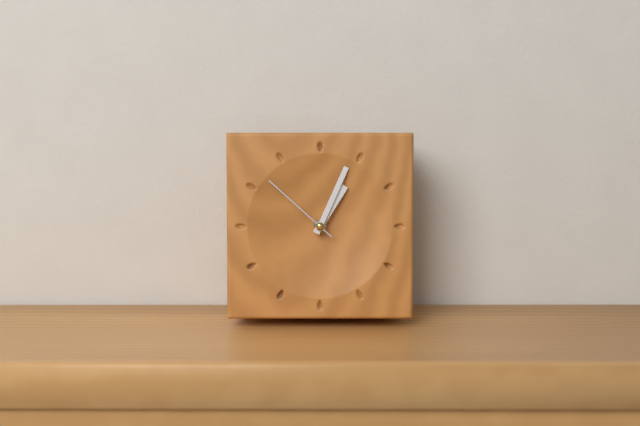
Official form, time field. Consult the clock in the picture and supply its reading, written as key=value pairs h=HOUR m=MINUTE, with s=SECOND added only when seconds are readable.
h=1 m=4 s=52
